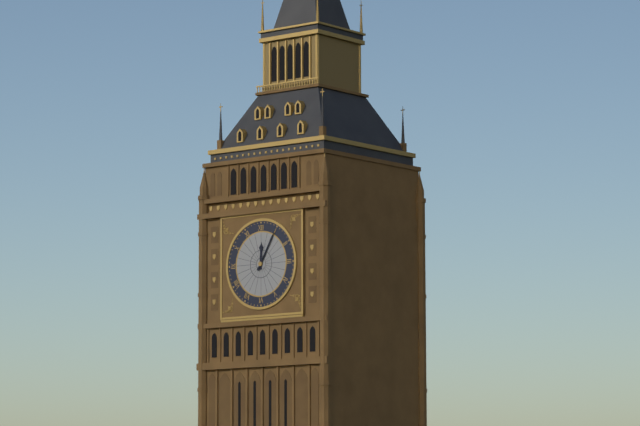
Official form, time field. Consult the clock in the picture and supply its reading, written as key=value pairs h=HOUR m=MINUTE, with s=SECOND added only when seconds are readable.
h=12 m=5
